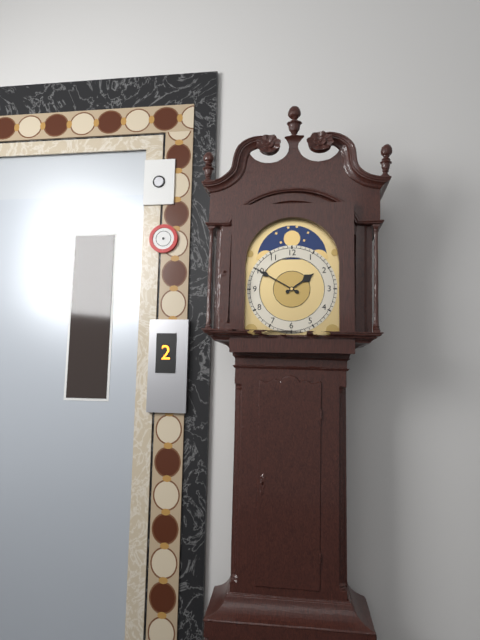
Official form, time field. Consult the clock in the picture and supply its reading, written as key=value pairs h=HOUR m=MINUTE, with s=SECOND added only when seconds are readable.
h=1 m=50
